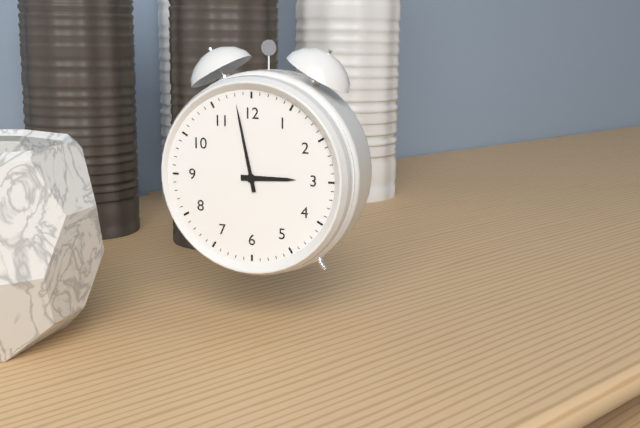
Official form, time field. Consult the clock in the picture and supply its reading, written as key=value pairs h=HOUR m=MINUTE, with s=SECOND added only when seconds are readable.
h=2 m=58
